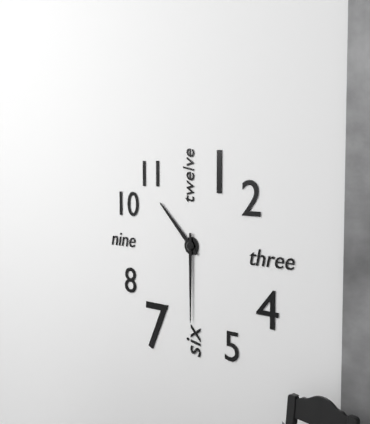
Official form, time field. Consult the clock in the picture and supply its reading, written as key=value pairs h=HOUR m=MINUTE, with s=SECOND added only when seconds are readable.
h=10 m=30
